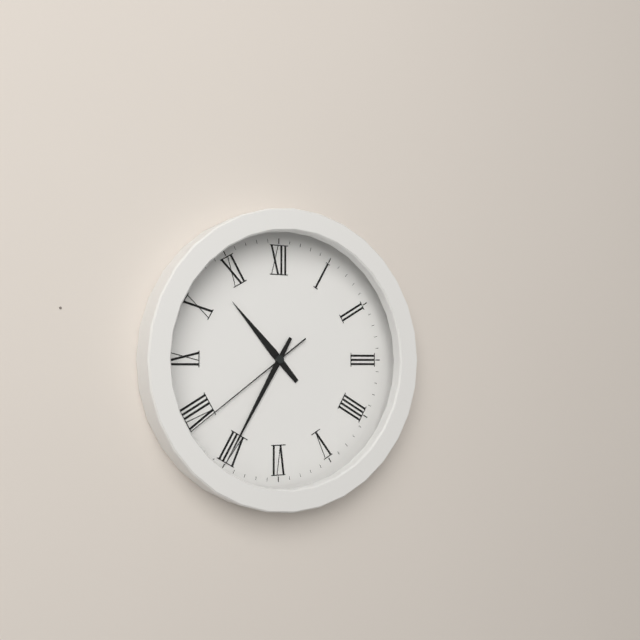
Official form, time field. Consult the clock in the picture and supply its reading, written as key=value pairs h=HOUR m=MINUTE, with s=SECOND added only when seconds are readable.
h=10 m=35 s=39
